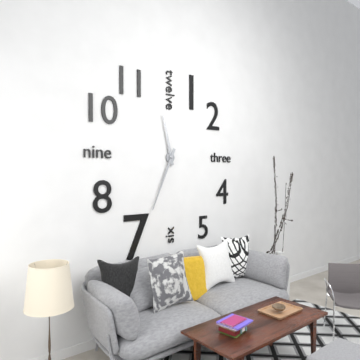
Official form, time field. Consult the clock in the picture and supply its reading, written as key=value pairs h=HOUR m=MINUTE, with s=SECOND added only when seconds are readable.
h=11 m=34
